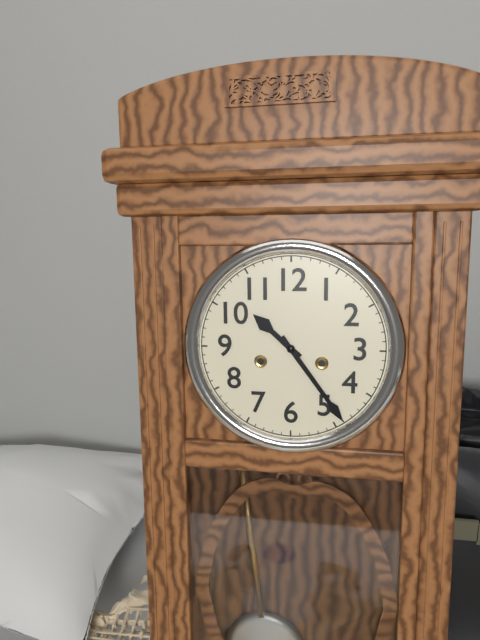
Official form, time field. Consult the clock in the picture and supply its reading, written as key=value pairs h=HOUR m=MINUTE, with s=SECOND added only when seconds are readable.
h=10 m=24
